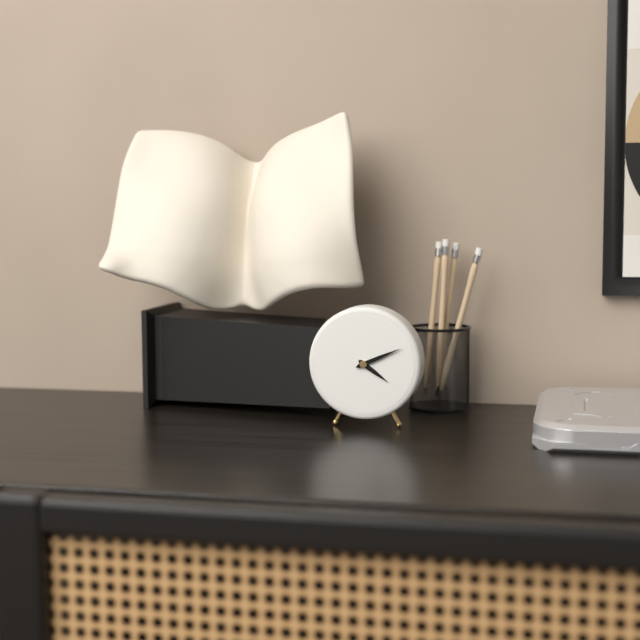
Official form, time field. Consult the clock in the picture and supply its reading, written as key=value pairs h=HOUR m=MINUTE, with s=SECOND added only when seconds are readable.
h=4 m=11
